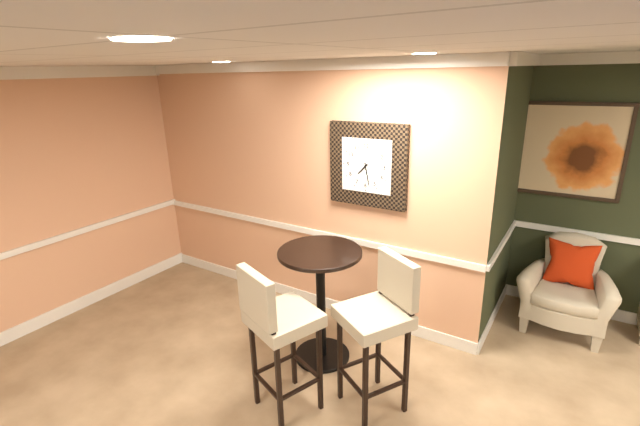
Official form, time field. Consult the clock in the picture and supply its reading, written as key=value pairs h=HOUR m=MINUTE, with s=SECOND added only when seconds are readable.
h=7 m=28
